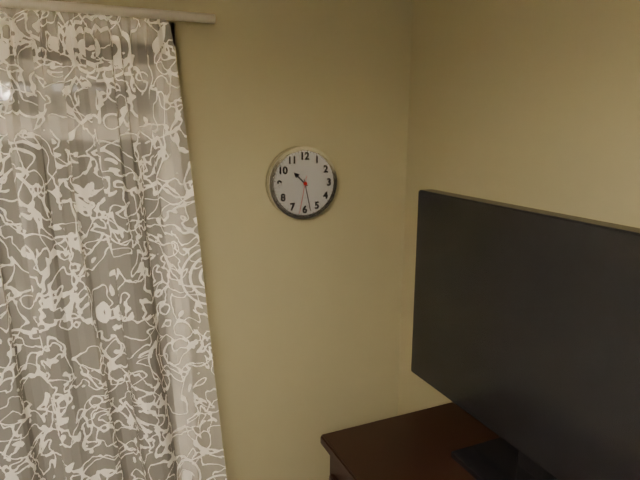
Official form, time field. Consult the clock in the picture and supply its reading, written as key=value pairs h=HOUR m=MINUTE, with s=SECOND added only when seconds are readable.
h=10 m=28
